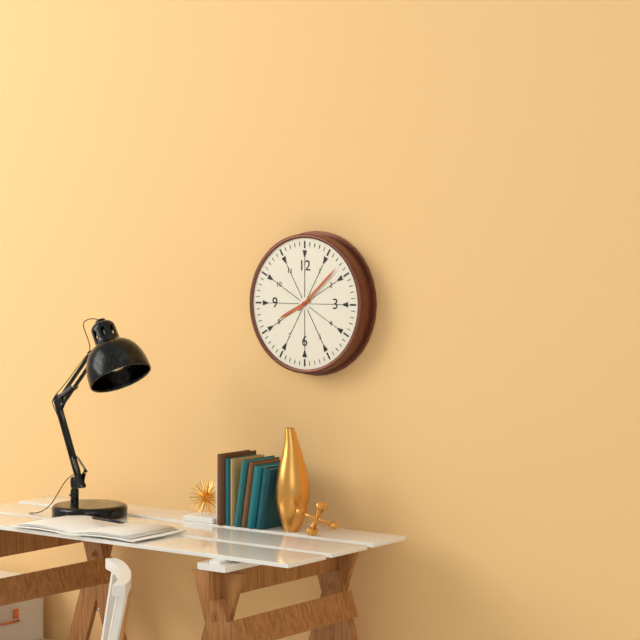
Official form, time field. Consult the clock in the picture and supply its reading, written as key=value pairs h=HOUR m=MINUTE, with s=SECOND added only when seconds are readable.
h=8 m=8
